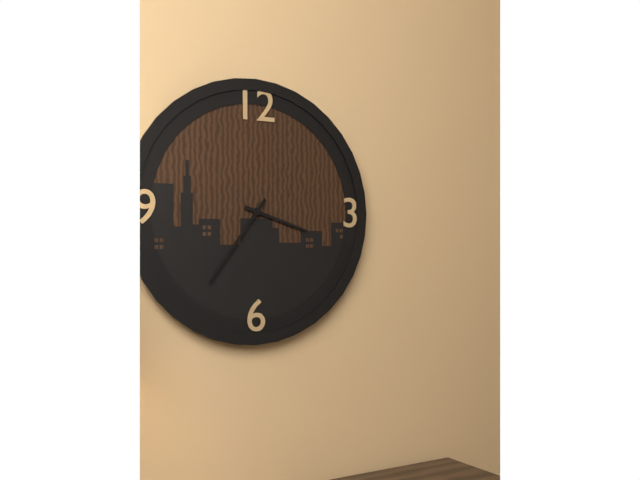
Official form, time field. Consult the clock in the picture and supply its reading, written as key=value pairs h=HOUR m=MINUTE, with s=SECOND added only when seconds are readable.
h=3 m=36
